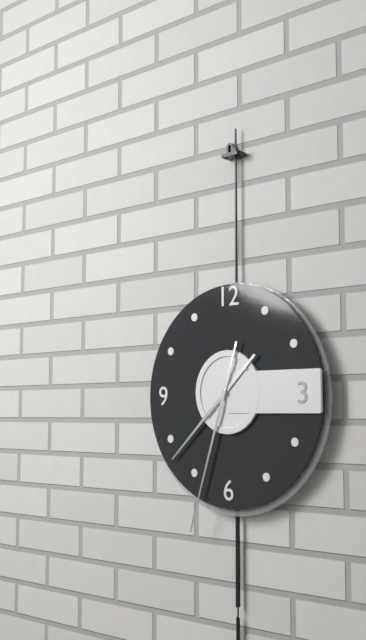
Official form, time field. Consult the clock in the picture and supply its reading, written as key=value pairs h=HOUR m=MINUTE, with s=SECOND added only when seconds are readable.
h=7 m=33
